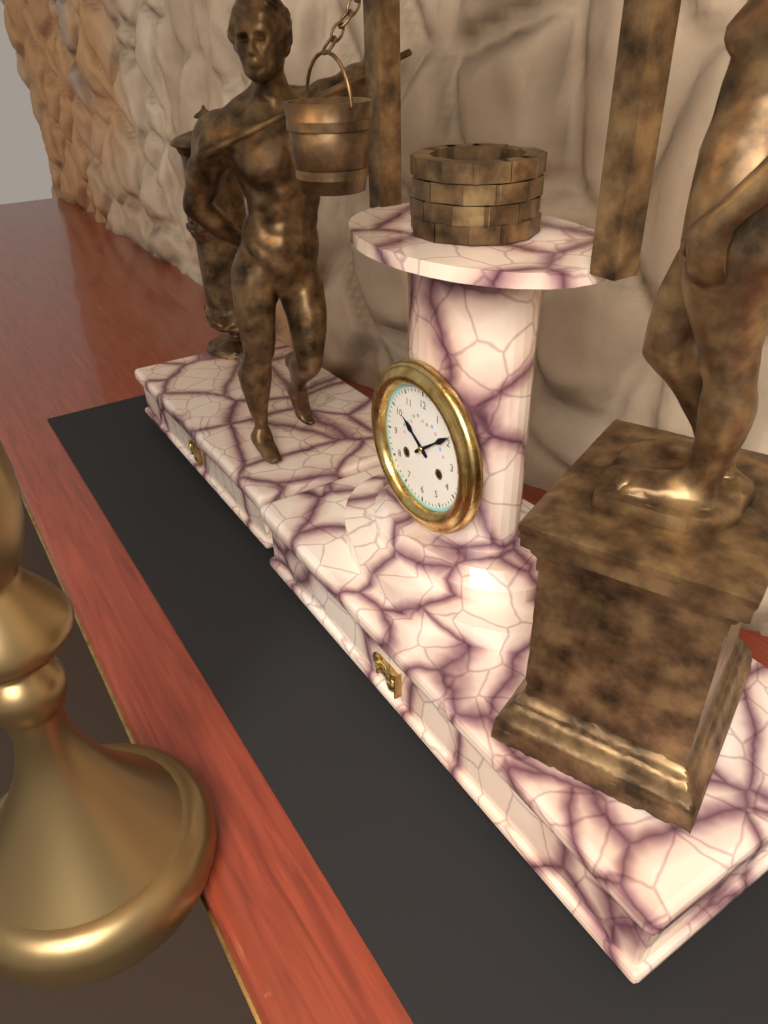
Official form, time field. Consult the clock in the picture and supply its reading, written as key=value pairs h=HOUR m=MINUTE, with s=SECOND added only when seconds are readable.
h=10 m=9
